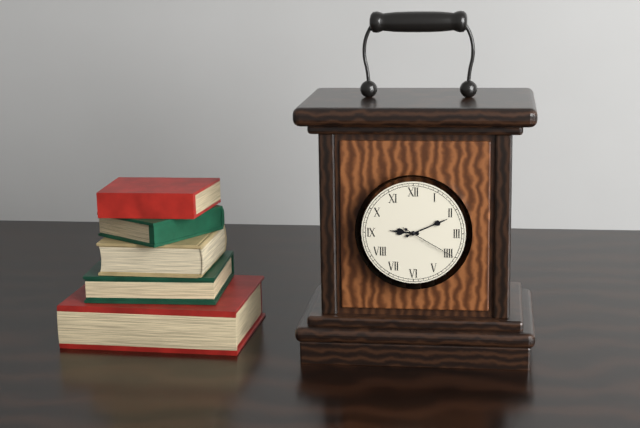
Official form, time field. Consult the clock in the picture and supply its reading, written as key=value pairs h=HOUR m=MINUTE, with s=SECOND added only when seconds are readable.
h=9 m=11 s=20
